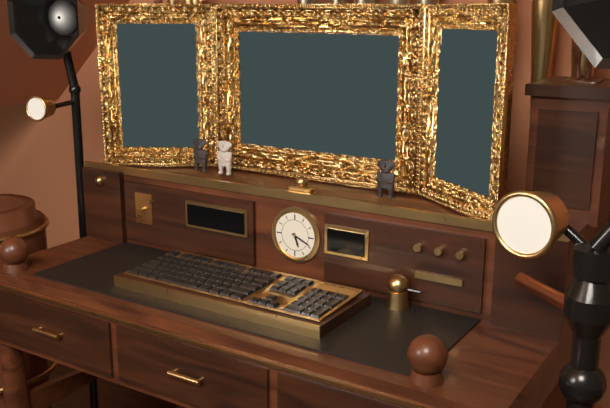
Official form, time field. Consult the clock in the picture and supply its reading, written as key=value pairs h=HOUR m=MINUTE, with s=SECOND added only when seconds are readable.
h=5 m=19
